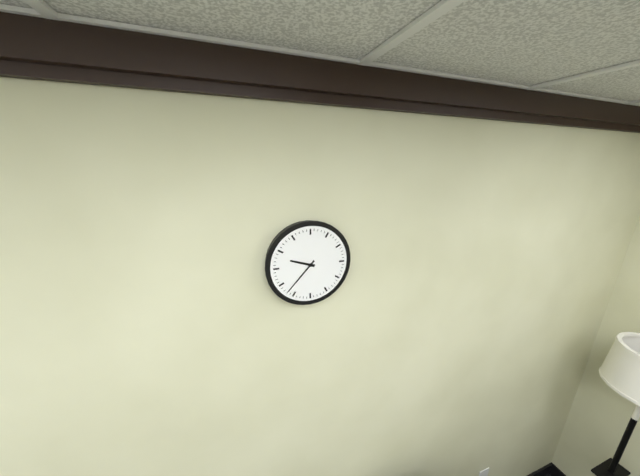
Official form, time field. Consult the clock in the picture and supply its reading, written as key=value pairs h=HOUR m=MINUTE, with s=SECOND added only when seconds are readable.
h=9 m=37
